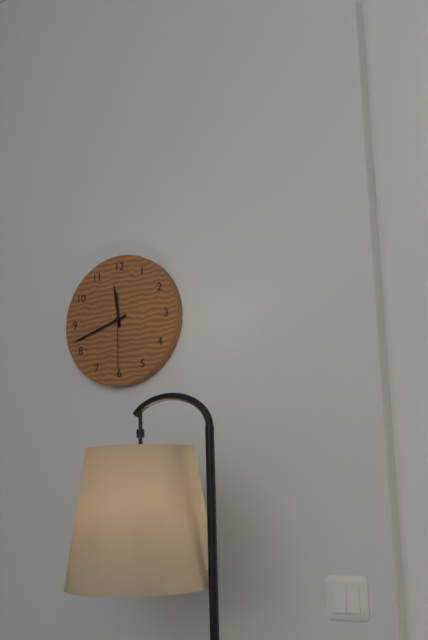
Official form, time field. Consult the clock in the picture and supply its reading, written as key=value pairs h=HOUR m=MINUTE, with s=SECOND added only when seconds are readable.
h=11 m=42 s=30
